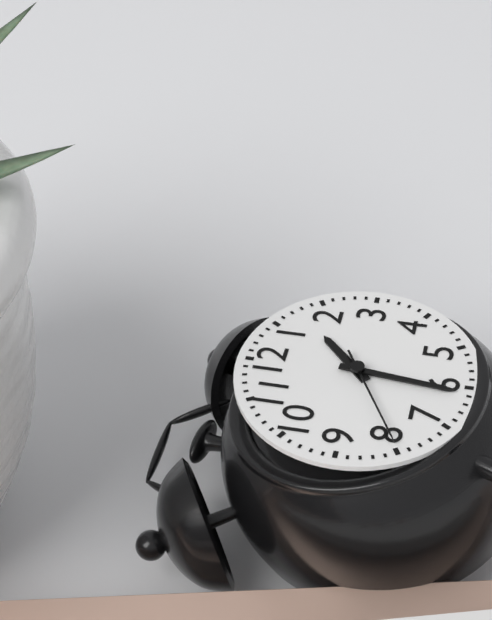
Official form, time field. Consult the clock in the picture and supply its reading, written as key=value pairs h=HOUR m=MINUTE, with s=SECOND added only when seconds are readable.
h=1 m=31 s=40
